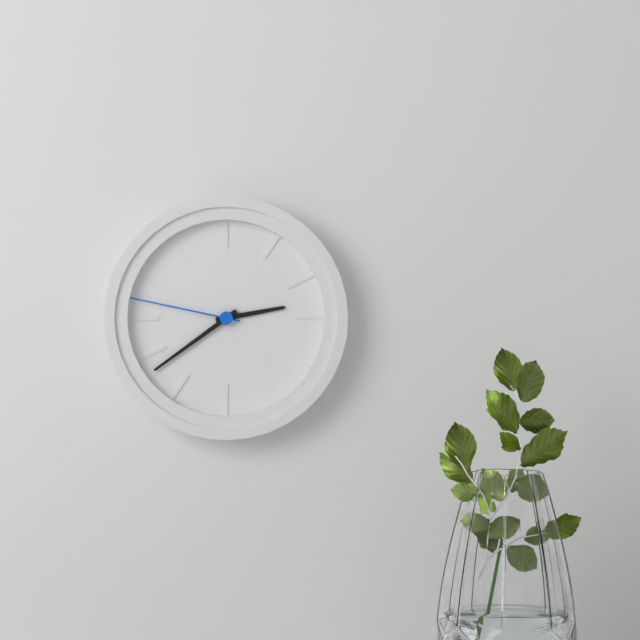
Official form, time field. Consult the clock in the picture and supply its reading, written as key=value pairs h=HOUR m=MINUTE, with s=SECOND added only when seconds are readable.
h=2 m=39 s=47
